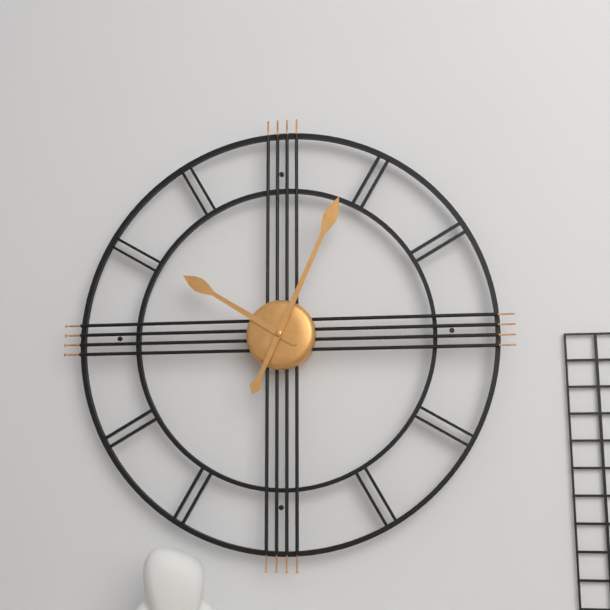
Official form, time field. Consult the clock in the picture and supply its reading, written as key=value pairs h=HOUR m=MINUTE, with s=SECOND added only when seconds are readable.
h=10 m=4
